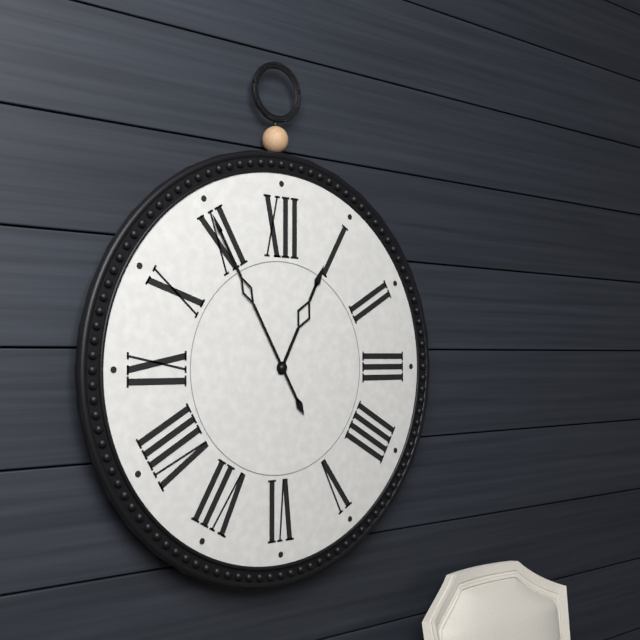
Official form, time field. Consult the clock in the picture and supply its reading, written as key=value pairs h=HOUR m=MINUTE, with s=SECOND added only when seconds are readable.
h=12 m=55
